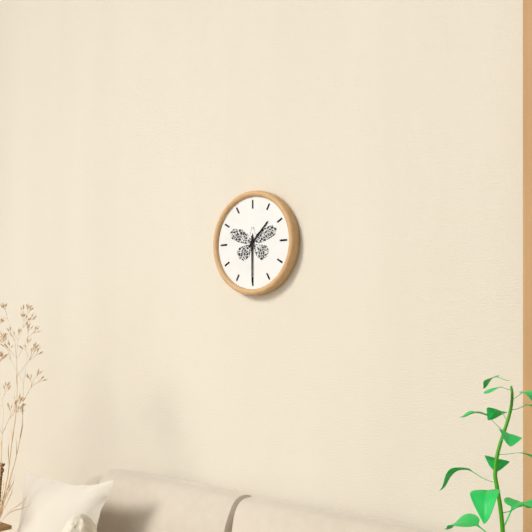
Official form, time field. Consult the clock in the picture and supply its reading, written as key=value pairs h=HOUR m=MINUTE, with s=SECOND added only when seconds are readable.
h=1 m=30
